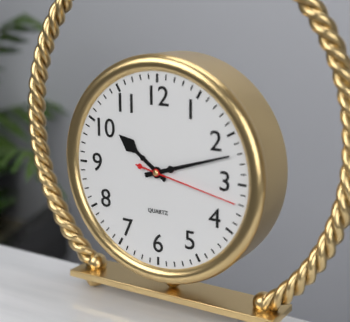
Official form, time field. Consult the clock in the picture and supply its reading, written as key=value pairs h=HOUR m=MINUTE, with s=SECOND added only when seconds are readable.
h=10 m=12 s=17
